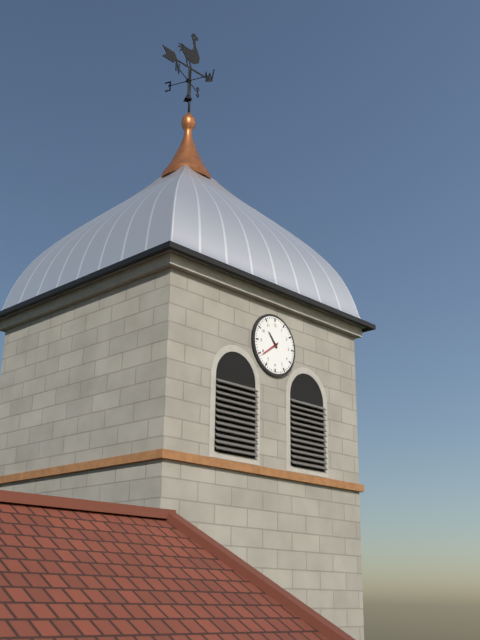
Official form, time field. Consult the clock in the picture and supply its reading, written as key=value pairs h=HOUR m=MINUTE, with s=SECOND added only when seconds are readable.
h=10 m=39
